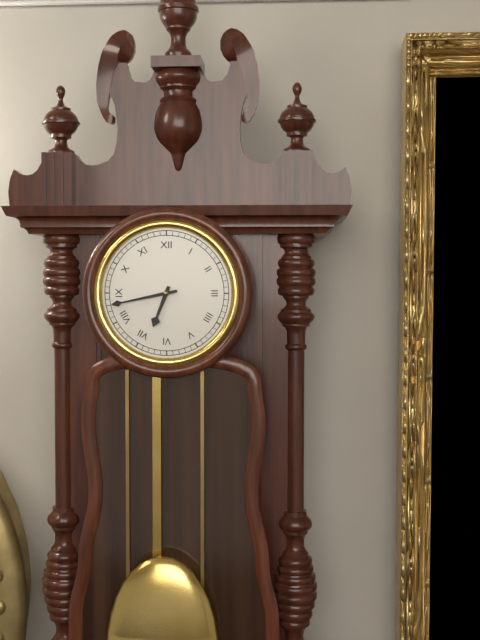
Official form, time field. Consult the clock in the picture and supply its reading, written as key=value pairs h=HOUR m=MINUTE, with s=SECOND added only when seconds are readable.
h=6 m=43
